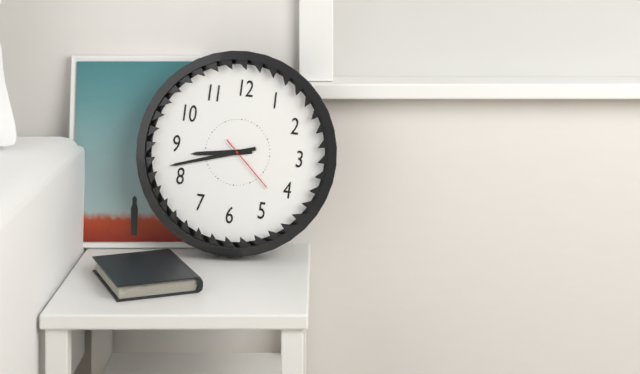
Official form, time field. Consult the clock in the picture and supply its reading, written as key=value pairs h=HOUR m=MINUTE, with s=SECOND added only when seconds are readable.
h=8 m=42 s=22
